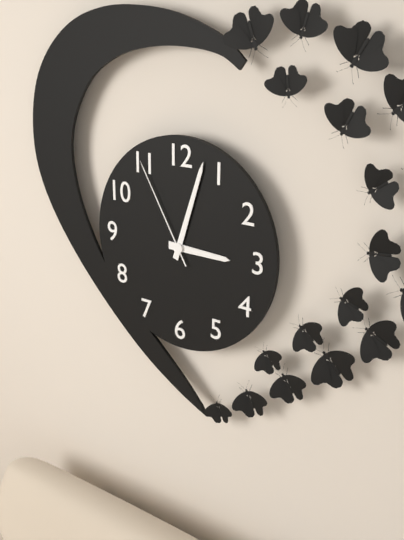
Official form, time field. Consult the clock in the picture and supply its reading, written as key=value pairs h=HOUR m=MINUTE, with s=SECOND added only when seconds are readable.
h=3 m=3 s=55
